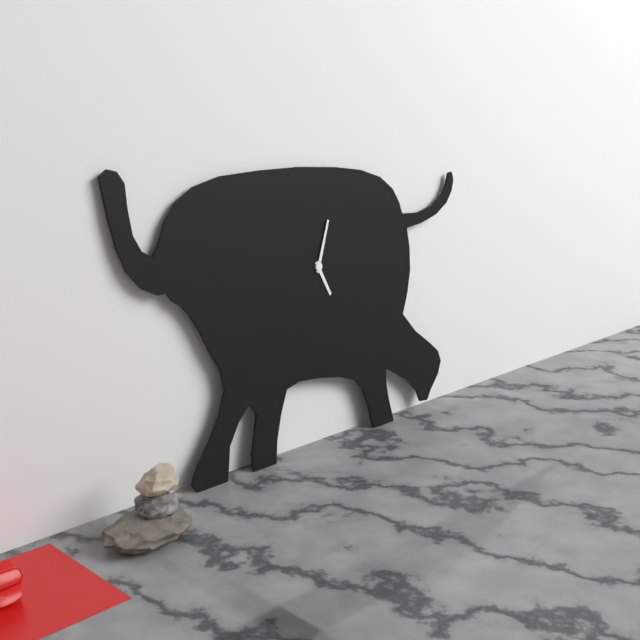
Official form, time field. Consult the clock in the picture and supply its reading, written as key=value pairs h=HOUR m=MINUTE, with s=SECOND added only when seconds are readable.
h=5 m=3
